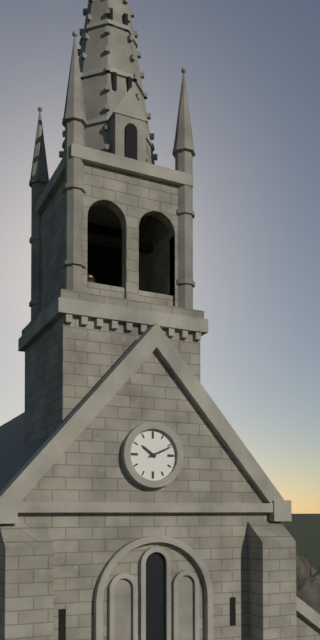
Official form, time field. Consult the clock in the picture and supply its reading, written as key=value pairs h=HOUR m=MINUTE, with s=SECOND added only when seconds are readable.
h=10 m=11
